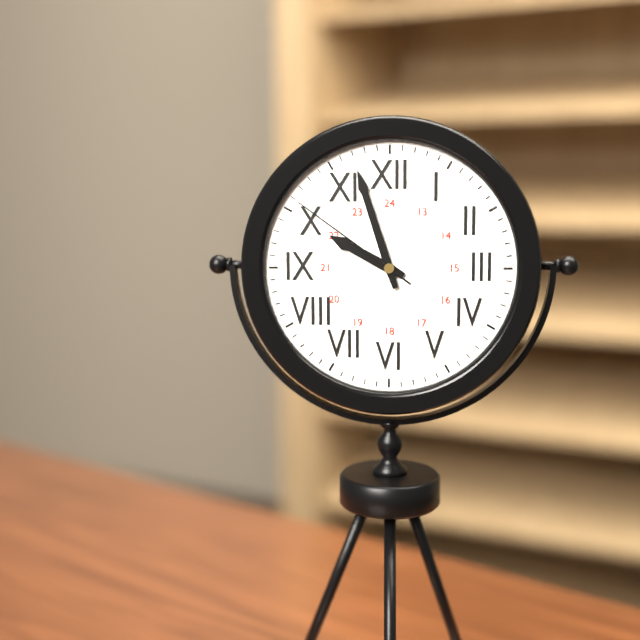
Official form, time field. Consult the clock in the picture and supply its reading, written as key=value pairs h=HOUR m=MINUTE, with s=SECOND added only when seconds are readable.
h=9 m=57 s=51
